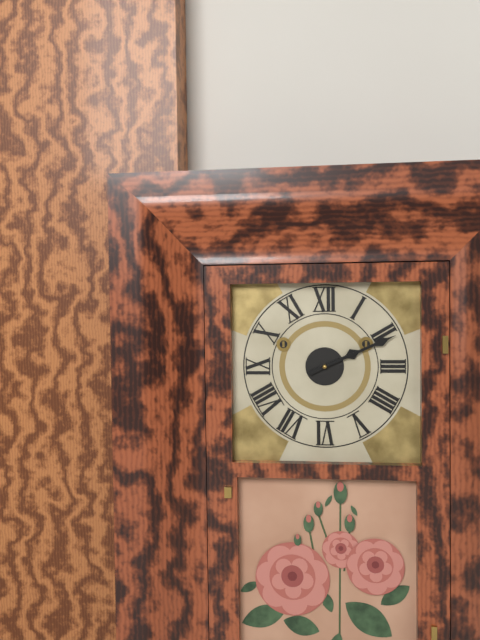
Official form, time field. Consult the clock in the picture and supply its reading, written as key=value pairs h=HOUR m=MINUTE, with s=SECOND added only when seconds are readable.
h=2 m=11
